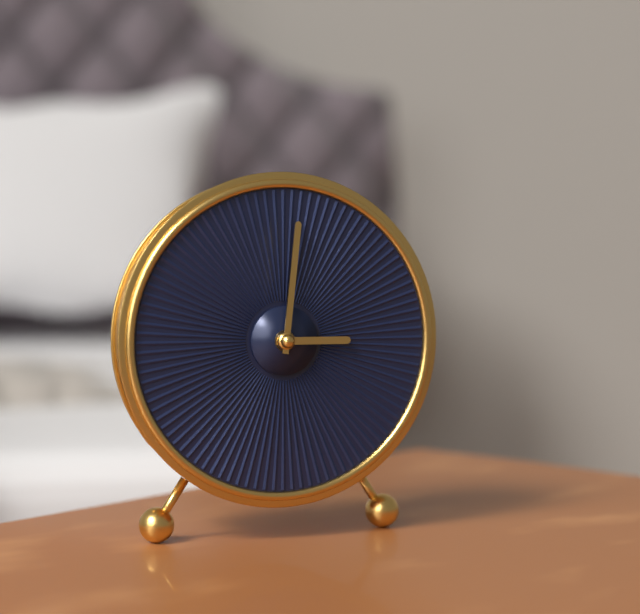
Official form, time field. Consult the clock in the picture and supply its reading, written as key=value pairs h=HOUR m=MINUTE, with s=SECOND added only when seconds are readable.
h=3 m=1
